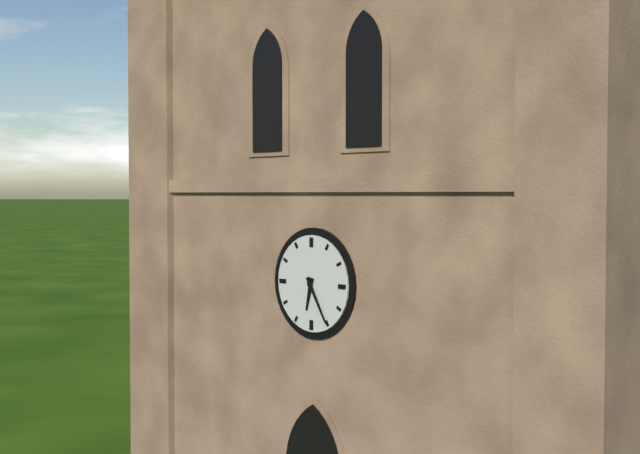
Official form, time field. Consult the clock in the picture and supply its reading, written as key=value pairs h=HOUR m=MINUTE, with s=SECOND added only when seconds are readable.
h=6 m=25
